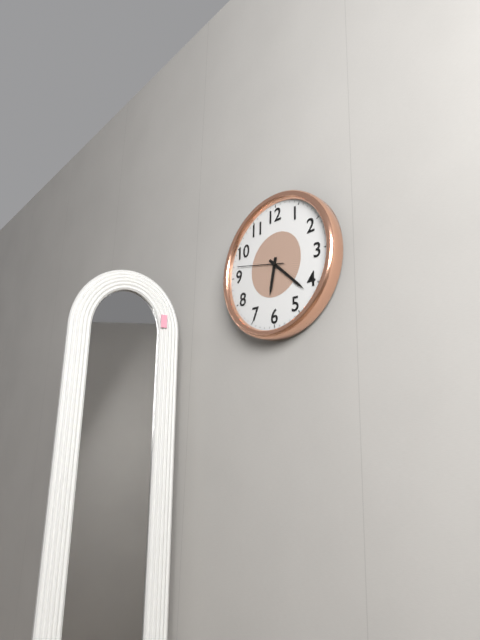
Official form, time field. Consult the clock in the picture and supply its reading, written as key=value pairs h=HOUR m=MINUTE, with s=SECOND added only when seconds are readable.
h=6 m=22
